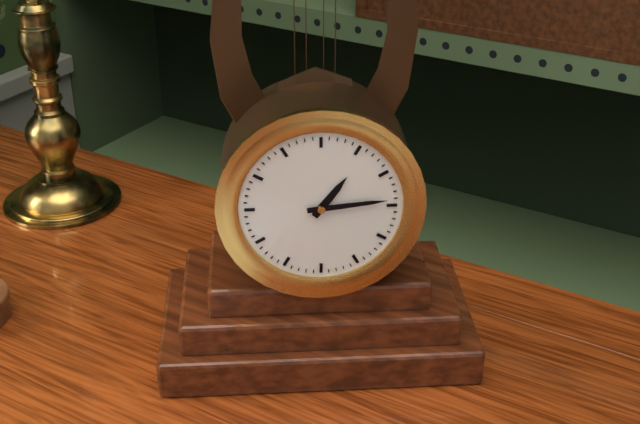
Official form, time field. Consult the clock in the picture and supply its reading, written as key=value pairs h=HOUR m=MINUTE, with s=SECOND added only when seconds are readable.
h=1 m=14
